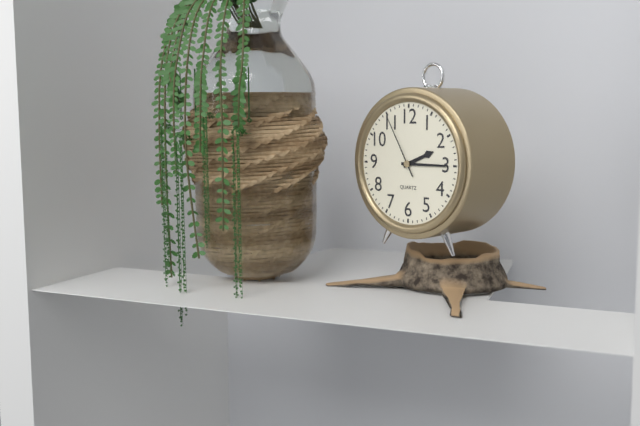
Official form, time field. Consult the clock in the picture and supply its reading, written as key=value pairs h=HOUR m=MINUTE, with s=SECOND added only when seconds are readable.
h=2 m=15 s=55
